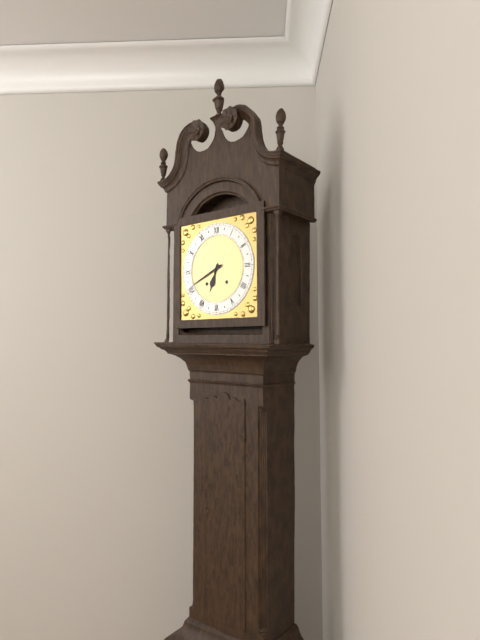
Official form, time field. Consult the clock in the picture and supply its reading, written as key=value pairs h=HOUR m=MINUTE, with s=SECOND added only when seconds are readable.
h=6 m=41
